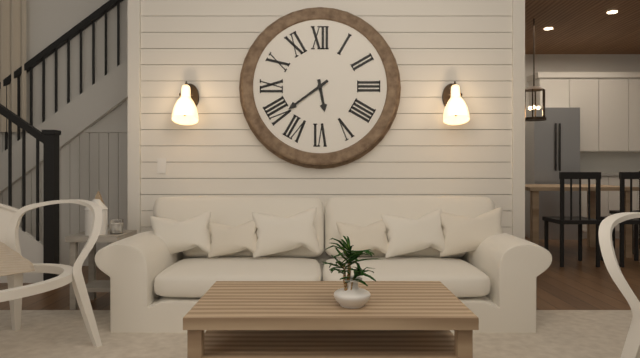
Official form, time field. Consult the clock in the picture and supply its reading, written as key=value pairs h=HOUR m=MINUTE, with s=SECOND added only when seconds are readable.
h=5 m=39
